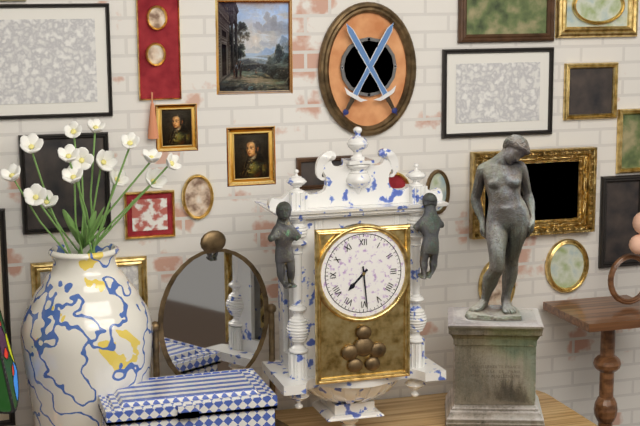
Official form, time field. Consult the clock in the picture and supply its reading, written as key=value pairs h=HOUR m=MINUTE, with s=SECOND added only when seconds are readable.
h=7 m=29
